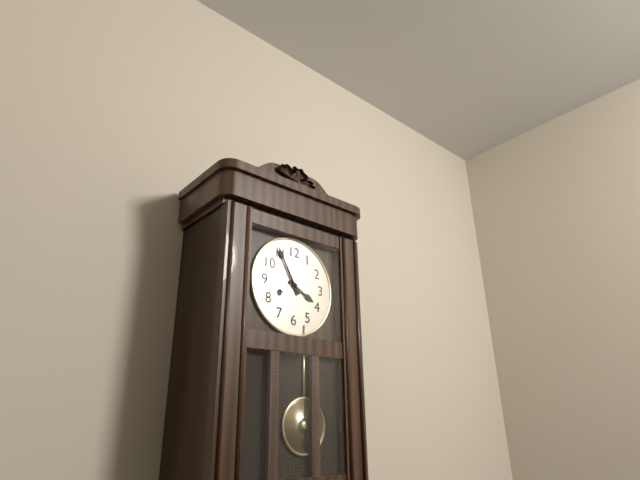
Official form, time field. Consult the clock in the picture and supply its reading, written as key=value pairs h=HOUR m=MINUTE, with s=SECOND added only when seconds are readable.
h=3 m=55
